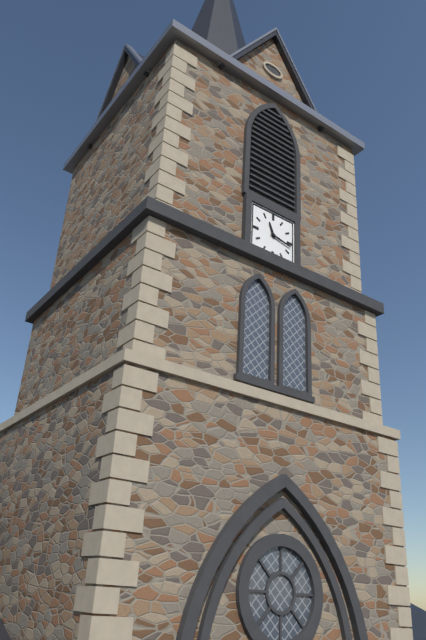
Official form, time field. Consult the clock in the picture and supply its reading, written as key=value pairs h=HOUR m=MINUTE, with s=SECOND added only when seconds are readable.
h=11 m=17
